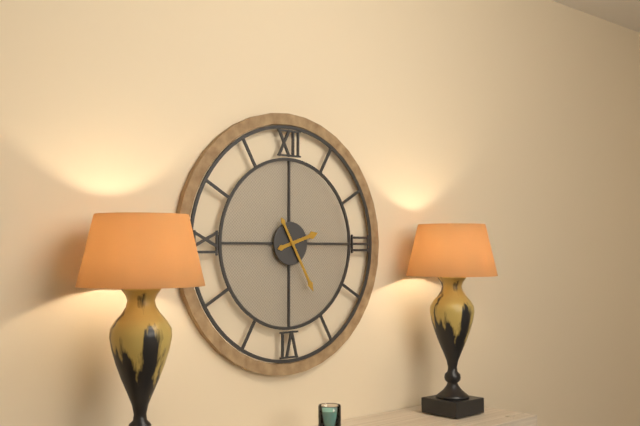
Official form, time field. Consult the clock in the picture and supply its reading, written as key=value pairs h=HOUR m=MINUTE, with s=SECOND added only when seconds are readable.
h=2 m=25
